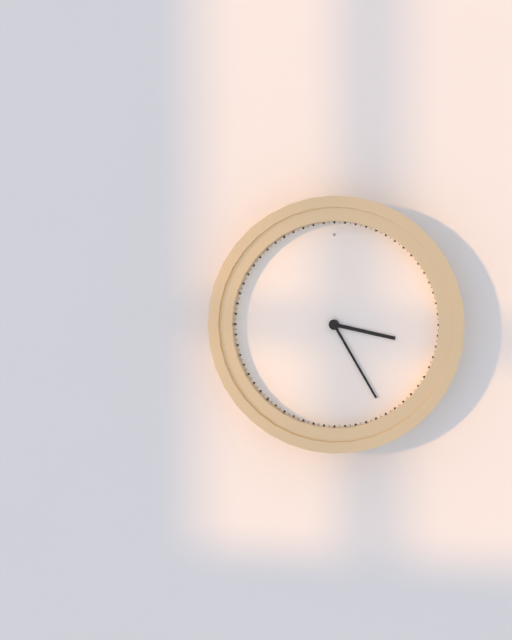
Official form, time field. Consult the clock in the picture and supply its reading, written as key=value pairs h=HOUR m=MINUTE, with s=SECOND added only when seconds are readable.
h=3 m=25
